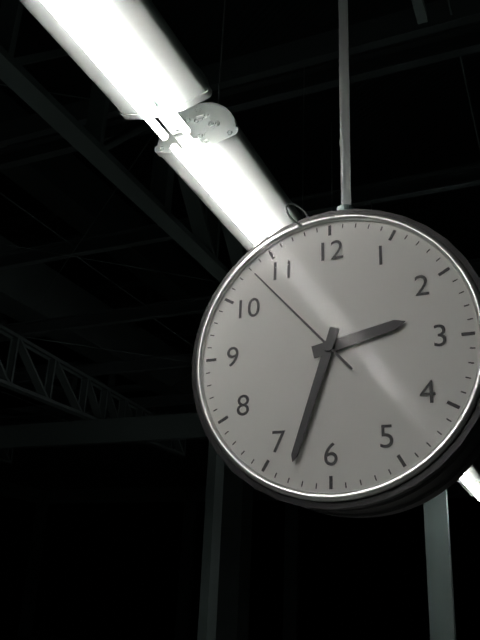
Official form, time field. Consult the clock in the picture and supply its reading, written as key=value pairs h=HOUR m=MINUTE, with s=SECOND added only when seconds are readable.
h=2 m=33 s=53
